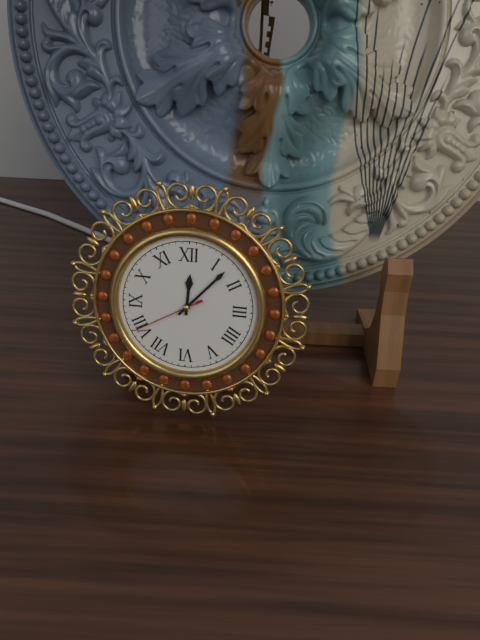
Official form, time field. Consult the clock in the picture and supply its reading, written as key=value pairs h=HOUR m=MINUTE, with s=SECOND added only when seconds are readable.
h=12 m=7 s=40
